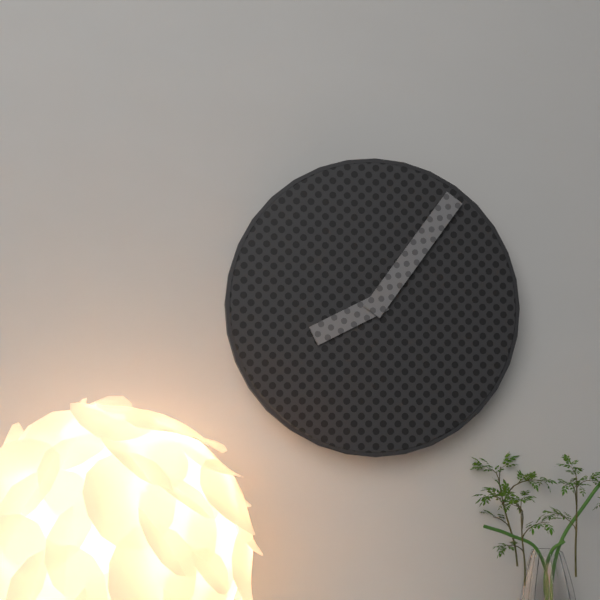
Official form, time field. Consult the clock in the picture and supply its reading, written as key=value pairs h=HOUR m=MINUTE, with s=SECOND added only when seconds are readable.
h=8 m=6
